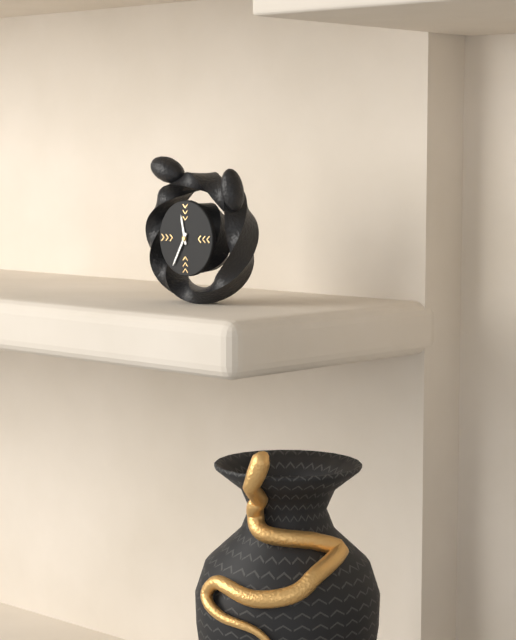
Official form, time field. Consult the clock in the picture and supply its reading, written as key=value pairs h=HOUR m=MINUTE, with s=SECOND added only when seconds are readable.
h=11 m=35
